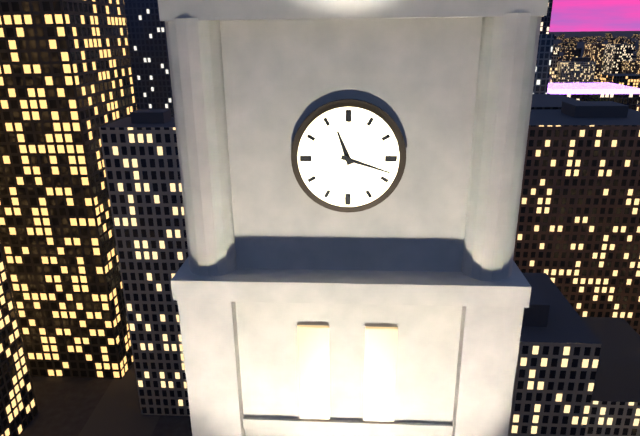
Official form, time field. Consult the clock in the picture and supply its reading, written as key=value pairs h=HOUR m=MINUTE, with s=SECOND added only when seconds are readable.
h=11 m=18
